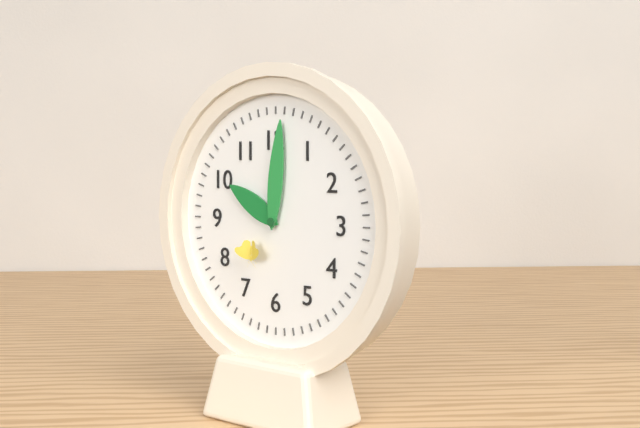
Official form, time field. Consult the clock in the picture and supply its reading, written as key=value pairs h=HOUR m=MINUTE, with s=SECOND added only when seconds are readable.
h=10 m=1
